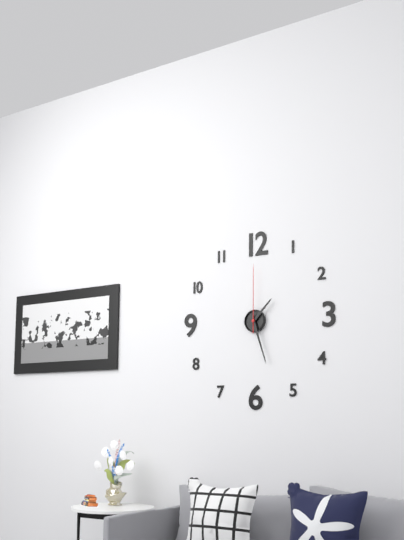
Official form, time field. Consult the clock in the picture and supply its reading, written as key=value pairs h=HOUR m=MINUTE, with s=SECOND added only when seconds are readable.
h=1 m=27 s=0
